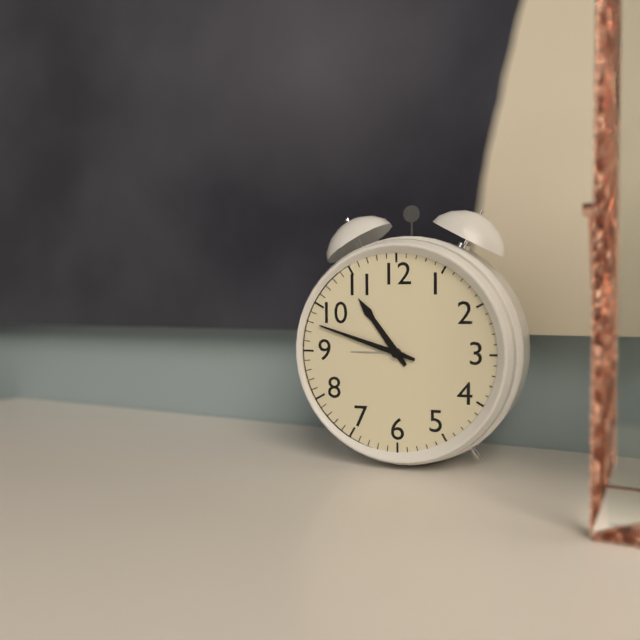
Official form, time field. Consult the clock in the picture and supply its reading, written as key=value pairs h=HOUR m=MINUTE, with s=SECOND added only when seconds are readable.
h=10 m=48
